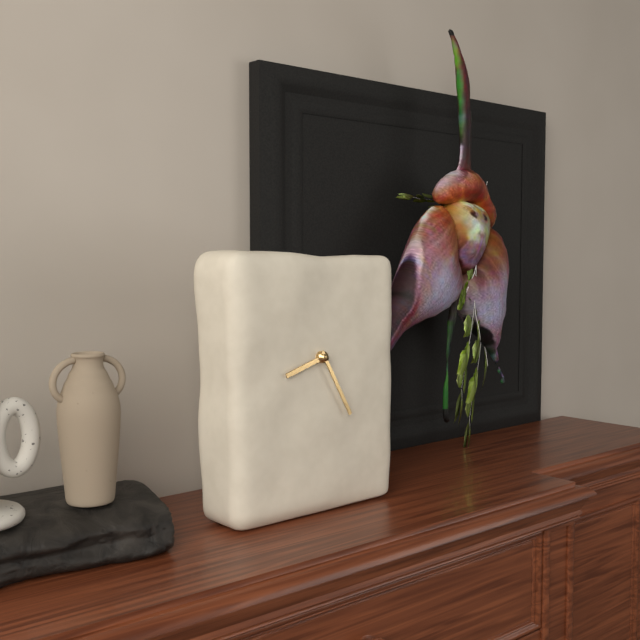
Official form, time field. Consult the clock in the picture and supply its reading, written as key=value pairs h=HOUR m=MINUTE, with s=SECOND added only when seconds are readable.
h=8 m=25
